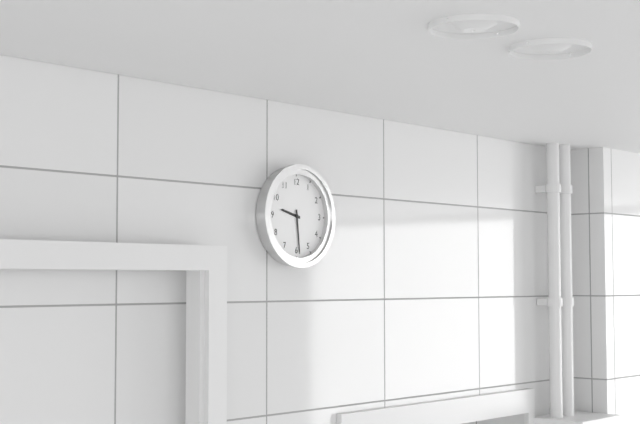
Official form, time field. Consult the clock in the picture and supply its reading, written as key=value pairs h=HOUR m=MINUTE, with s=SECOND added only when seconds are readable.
h=9 m=29
